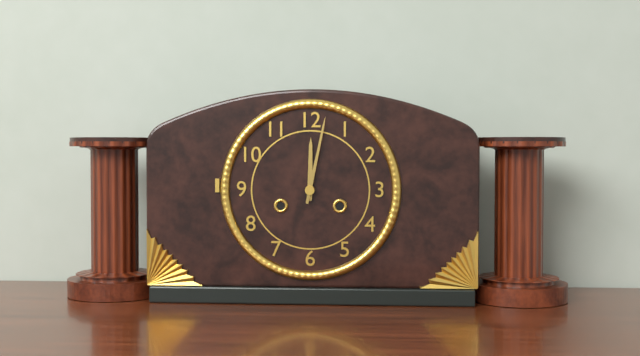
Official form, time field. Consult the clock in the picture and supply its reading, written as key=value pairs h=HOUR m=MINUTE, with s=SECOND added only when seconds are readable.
h=12 m=2
